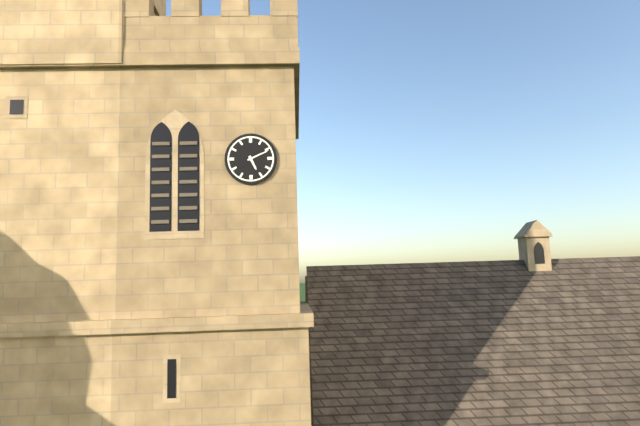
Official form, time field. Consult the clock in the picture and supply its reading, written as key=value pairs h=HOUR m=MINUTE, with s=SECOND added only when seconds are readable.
h=5 m=11
